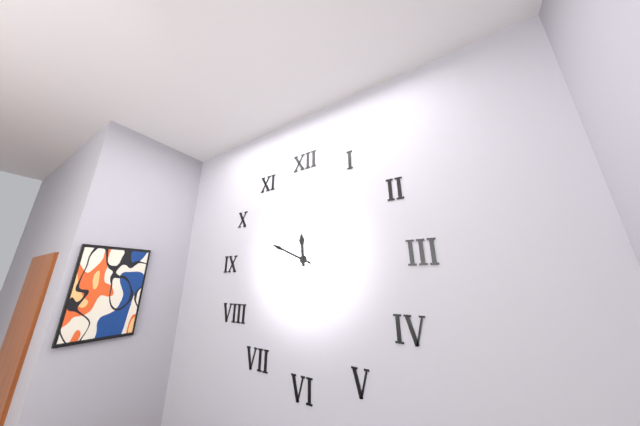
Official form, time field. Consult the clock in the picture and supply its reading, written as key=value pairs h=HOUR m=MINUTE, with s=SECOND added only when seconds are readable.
h=11 m=49
